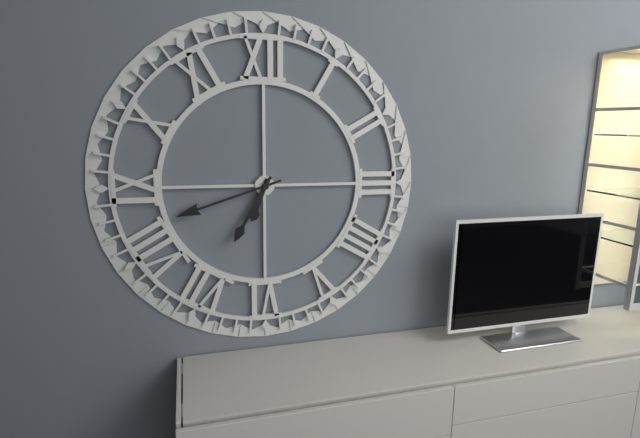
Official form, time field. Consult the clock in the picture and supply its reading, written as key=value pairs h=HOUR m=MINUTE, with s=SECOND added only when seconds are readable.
h=6 m=42 s=35
